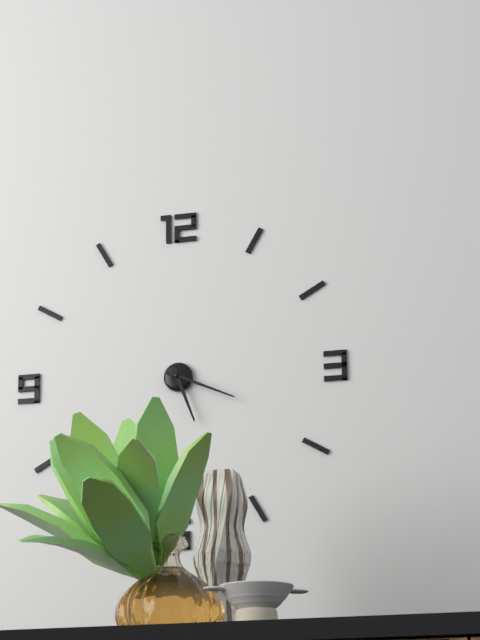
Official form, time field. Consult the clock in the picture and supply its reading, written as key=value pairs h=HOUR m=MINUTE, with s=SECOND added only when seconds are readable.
h=5 m=19
